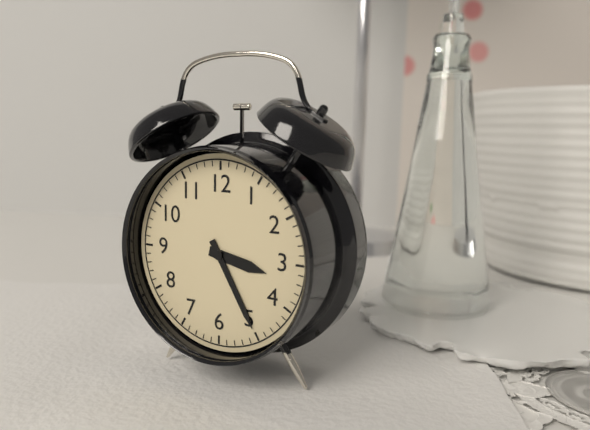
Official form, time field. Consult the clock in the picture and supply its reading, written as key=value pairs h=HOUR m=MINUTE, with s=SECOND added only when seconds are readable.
h=3 m=25
